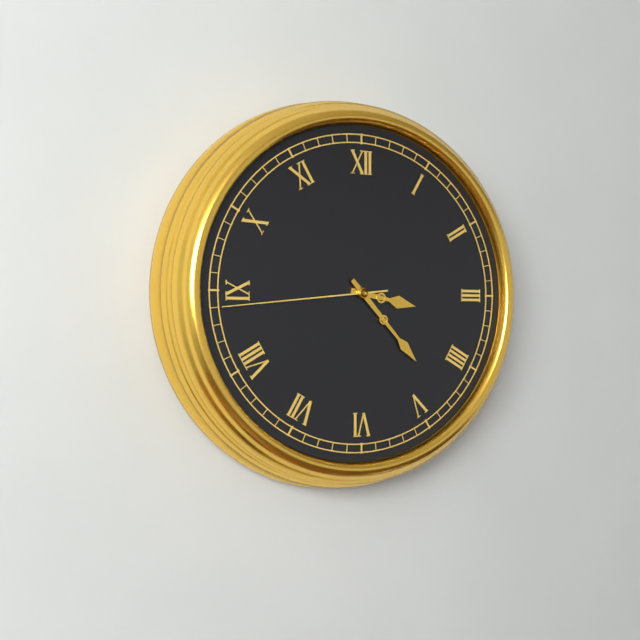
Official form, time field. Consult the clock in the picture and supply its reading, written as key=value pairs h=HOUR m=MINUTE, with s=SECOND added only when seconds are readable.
h=3 m=23 s=44
